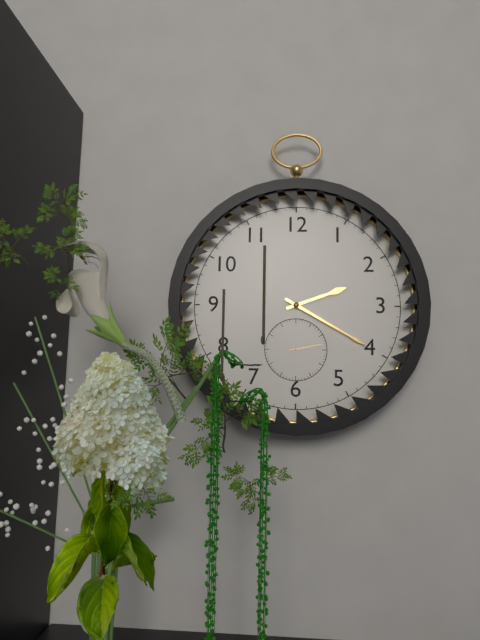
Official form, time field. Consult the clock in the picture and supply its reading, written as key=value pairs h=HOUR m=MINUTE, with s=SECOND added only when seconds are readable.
h=2 m=20
